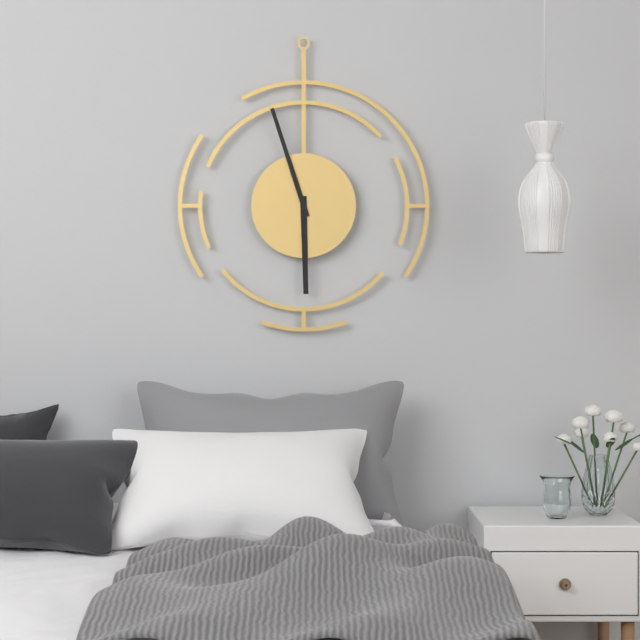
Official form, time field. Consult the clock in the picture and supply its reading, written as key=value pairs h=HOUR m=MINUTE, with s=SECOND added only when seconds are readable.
h=5 m=57
